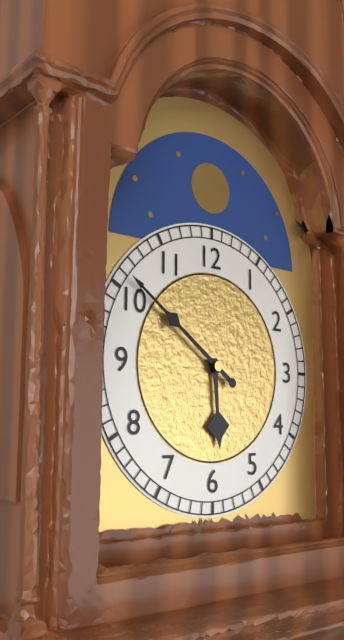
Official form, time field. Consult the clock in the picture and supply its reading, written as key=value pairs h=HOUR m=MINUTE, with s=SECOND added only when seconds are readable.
h=5 m=51
